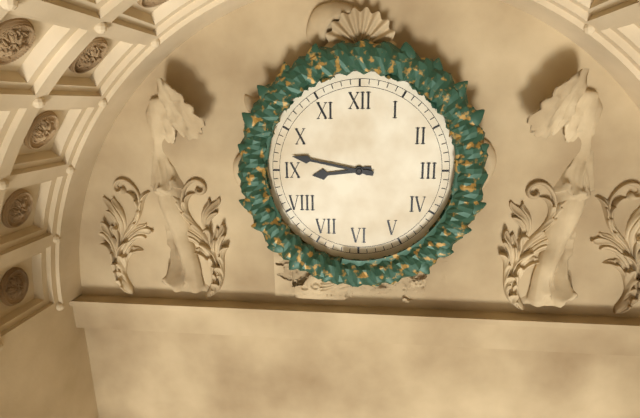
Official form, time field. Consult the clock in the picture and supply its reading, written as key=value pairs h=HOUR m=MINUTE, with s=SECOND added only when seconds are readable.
h=8 m=47
